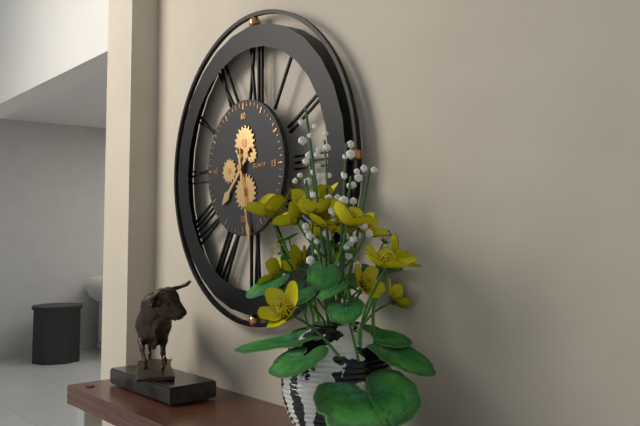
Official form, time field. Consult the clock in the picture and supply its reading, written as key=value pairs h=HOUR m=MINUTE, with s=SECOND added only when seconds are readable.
h=7 m=28
